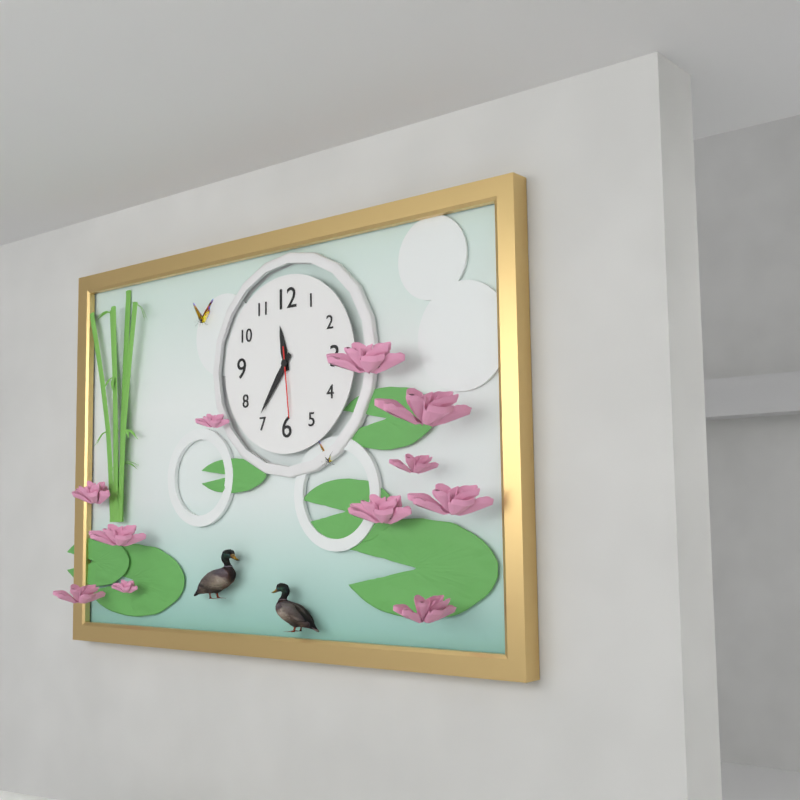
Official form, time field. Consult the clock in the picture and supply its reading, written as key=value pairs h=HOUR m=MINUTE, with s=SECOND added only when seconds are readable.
h=11 m=36 s=29
